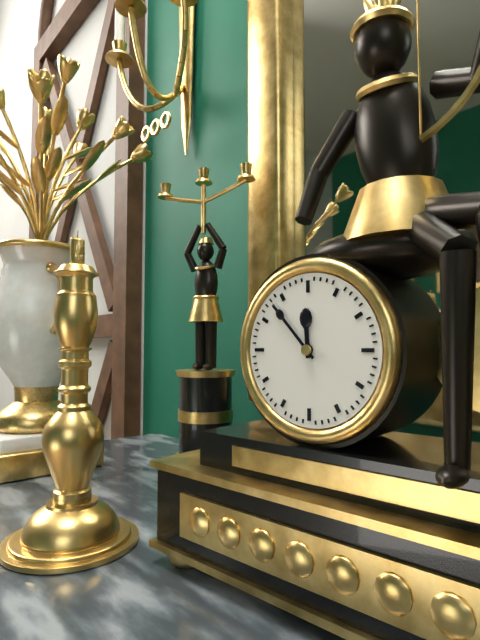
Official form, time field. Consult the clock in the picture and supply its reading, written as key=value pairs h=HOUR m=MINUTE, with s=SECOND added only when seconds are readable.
h=11 m=53
